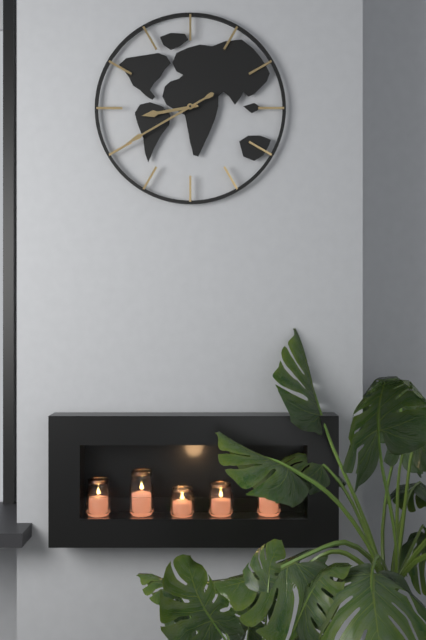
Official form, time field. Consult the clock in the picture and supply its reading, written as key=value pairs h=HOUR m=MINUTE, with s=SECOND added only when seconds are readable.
h=8 m=40
